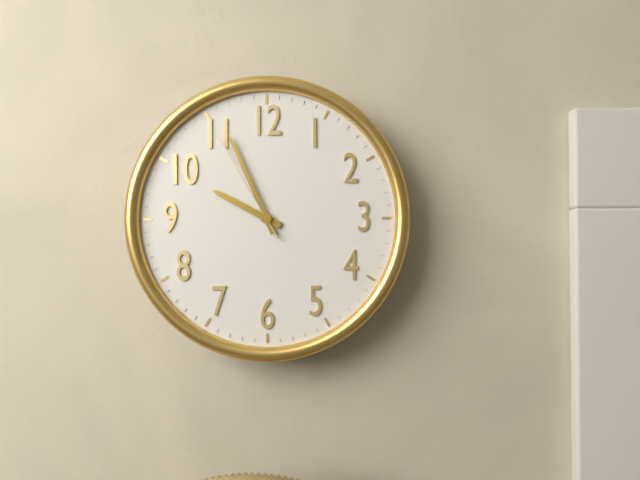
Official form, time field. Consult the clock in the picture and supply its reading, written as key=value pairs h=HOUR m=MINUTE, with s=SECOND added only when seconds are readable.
h=9 m=56 s=55
